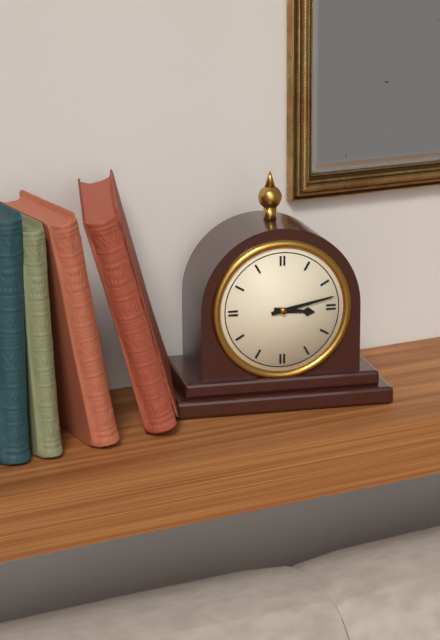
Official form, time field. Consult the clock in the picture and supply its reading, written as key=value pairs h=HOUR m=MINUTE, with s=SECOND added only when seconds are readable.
h=3 m=13
